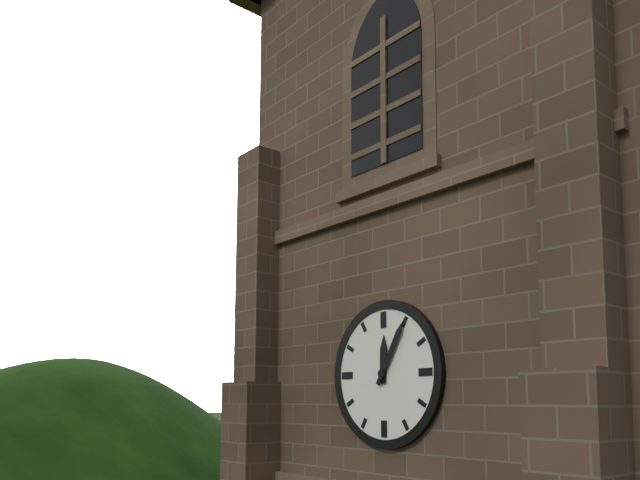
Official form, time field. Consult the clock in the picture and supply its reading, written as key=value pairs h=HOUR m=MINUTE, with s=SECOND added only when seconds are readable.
h=12 m=5
